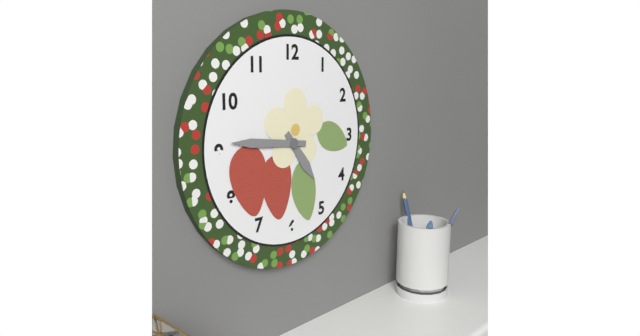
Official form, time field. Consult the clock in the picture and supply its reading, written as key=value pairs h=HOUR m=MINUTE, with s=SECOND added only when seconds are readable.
h=4 m=46
